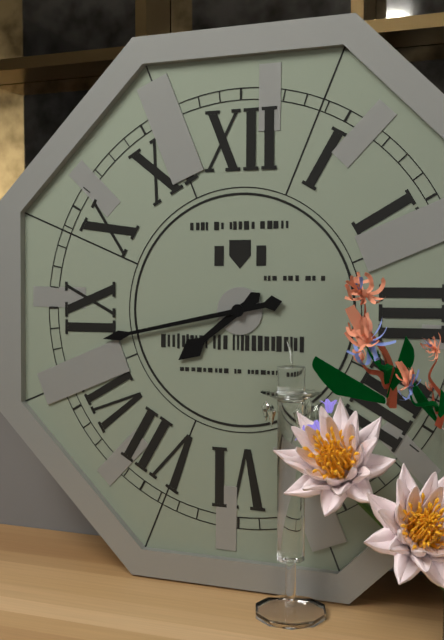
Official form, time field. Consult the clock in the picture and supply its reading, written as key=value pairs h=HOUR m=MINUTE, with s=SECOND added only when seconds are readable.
h=7 m=43
